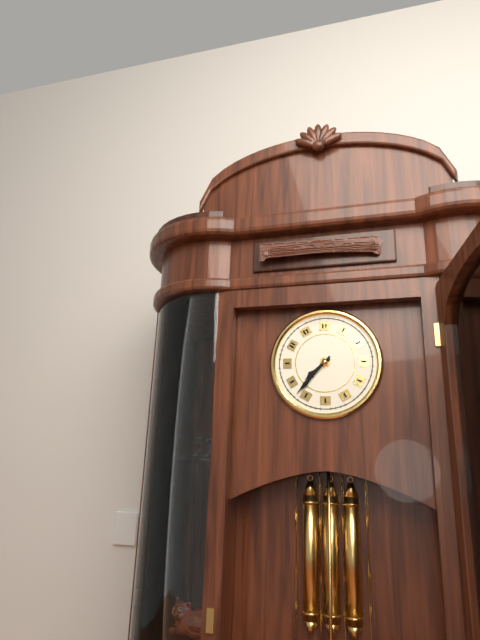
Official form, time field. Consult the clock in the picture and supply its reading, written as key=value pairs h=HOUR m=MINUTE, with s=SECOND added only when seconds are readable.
h=7 m=37
